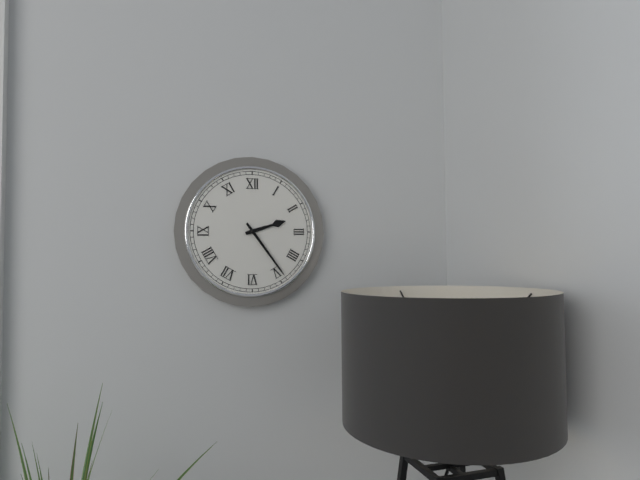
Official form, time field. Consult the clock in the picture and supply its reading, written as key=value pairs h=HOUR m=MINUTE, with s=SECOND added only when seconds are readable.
h=2 m=24
